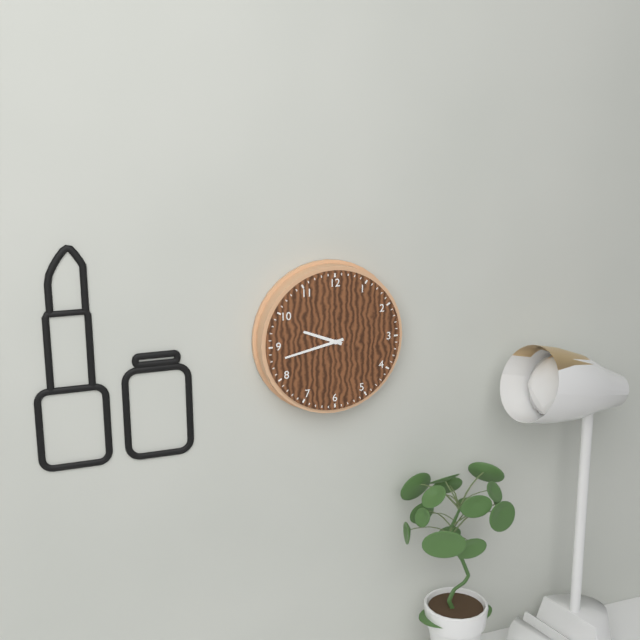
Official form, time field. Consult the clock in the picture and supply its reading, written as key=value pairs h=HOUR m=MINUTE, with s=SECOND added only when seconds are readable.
h=9 m=43
